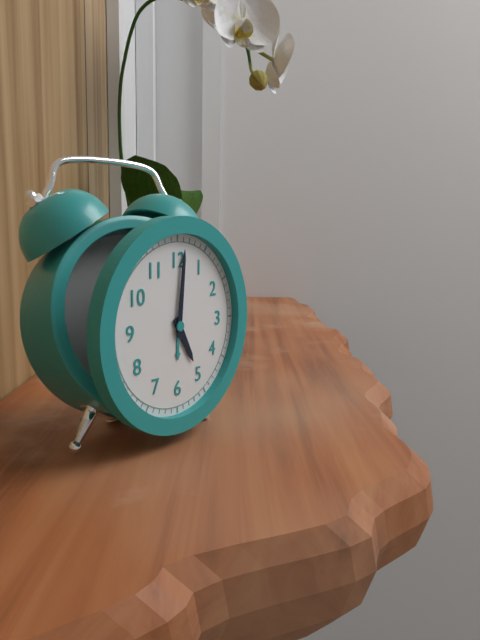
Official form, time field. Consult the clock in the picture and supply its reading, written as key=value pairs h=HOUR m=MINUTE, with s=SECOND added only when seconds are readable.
h=5 m=1
